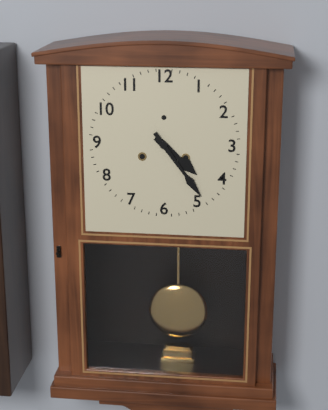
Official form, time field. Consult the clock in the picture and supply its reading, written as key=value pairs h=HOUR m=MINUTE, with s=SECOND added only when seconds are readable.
h=4 m=24
